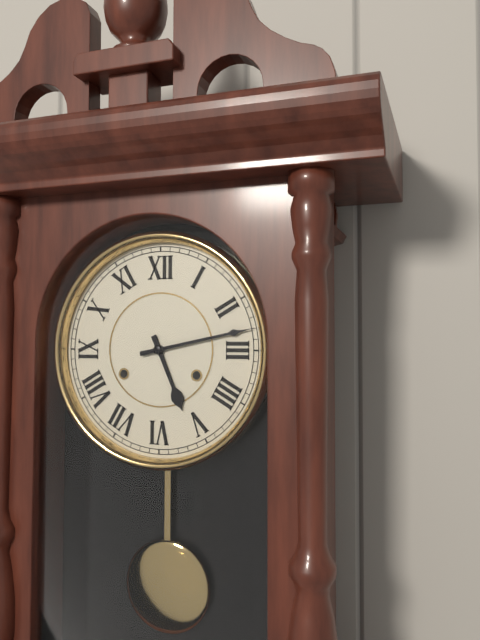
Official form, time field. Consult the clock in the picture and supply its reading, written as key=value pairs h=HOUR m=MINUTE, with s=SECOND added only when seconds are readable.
h=5 m=13
